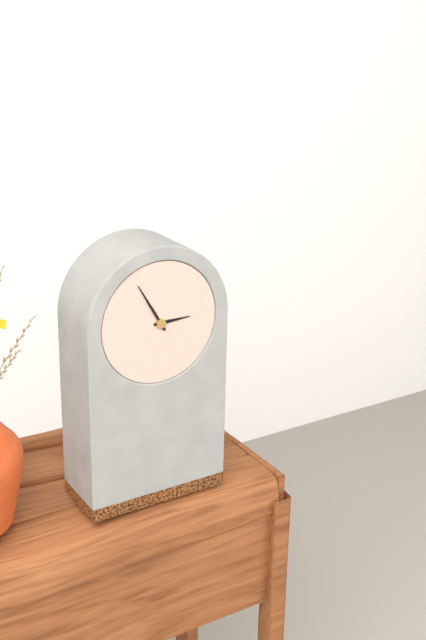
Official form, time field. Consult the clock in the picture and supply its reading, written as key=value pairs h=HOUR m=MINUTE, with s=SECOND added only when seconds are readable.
h=2 m=55
